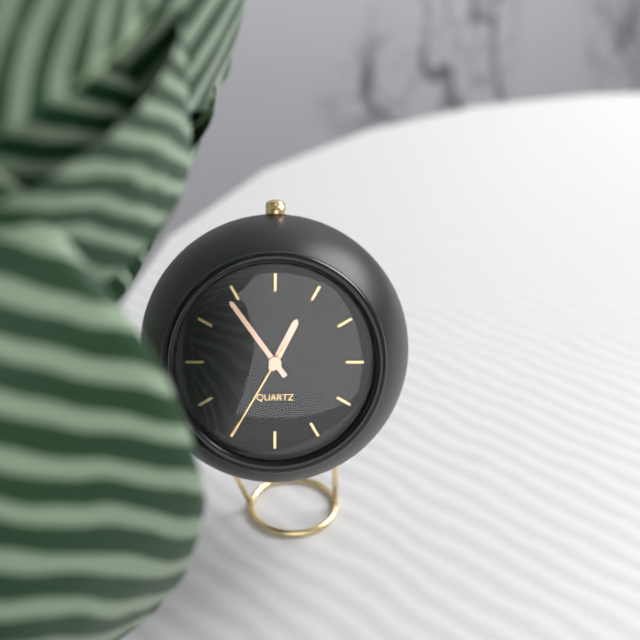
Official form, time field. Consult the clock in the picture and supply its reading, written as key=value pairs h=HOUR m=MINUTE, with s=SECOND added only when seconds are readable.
h=12 m=54 s=35
